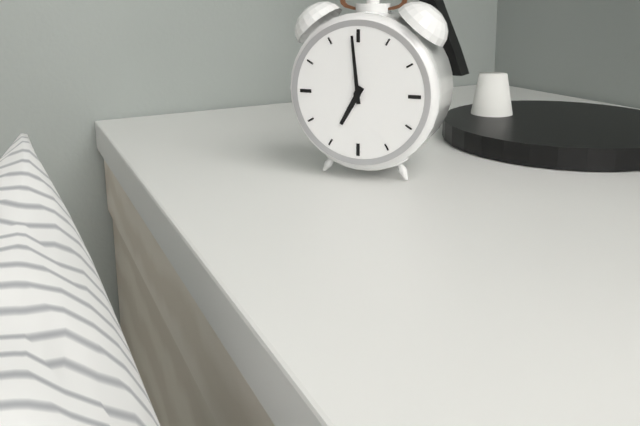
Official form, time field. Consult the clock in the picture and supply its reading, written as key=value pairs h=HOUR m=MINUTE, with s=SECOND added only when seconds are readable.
h=6 m=59
